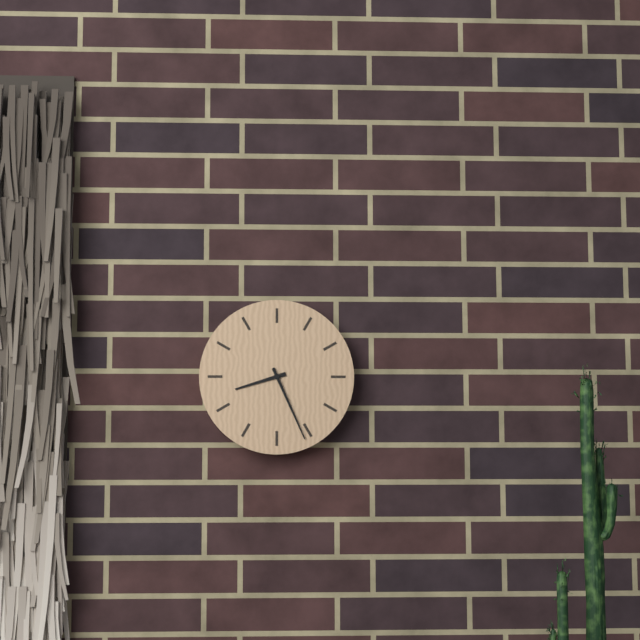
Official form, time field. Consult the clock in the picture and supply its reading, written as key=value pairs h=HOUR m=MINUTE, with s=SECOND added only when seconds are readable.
h=8 m=26
